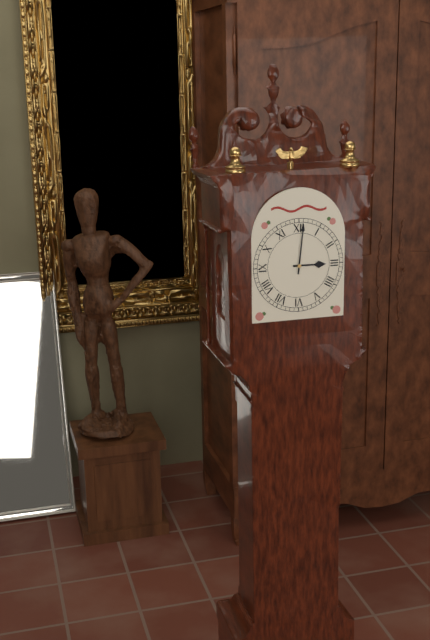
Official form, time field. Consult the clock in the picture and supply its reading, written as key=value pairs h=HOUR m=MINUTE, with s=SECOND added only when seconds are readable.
h=3 m=1
